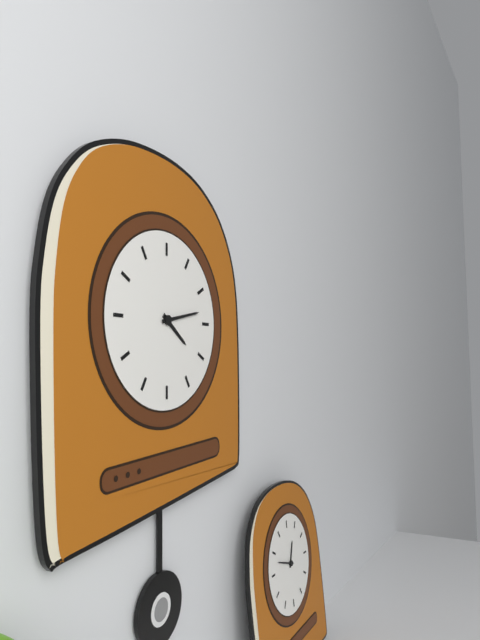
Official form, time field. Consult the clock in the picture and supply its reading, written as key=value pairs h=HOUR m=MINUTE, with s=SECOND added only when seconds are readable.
h=4 m=13
